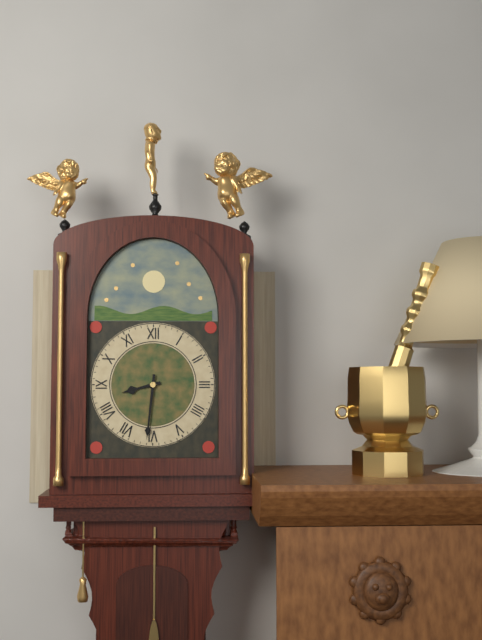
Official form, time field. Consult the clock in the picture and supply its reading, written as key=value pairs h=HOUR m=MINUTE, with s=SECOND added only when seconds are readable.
h=8 m=31
